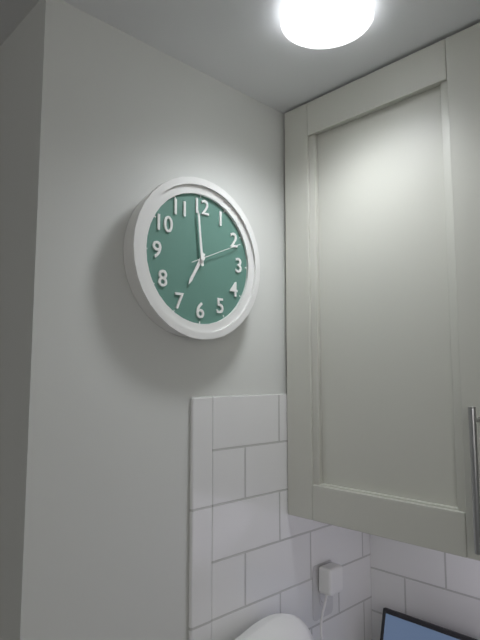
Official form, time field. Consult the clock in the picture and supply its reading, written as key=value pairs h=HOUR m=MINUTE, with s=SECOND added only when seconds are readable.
h=6 m=59 s=11
